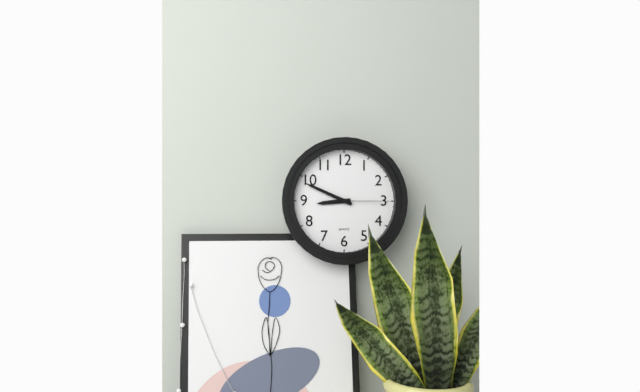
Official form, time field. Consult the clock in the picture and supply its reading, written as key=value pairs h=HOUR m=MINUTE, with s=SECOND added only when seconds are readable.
h=8 m=49 s=15
